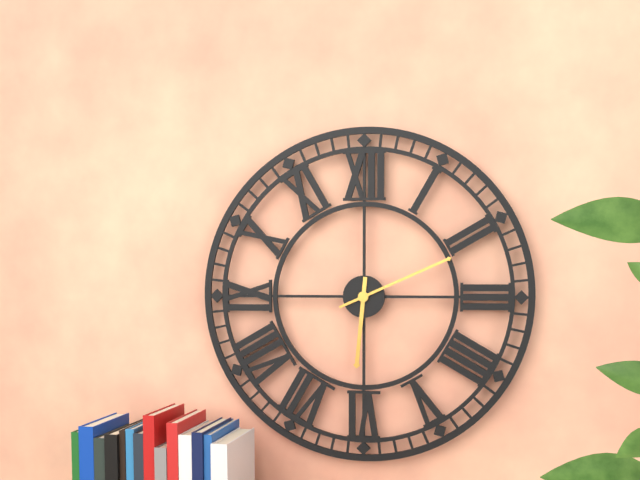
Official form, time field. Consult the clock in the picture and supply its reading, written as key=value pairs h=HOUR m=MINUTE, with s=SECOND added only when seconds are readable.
h=6 m=11
